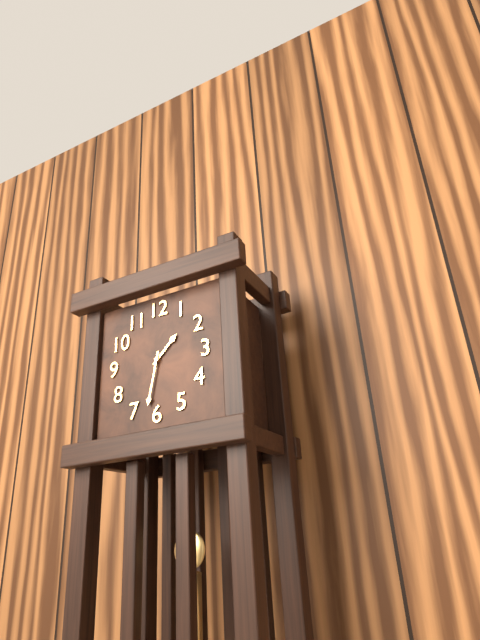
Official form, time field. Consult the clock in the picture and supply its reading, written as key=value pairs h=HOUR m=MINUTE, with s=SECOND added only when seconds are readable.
h=1 m=32
